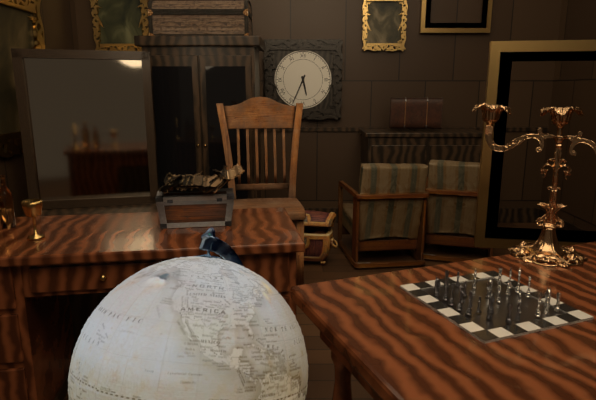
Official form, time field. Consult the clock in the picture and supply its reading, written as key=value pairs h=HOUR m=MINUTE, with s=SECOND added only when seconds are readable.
h=5 m=34
